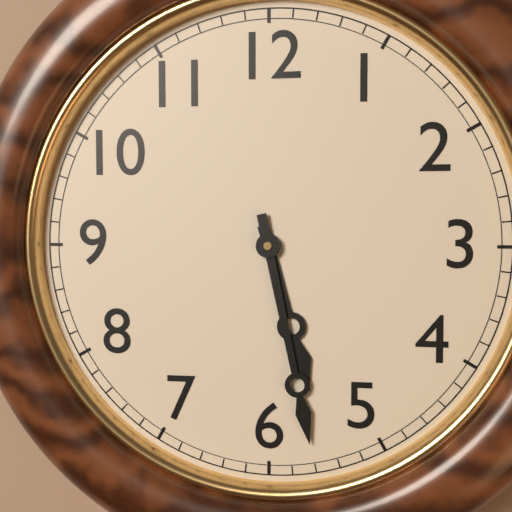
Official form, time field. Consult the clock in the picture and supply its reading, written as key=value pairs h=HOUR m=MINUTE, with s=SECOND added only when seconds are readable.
h=5 m=28
